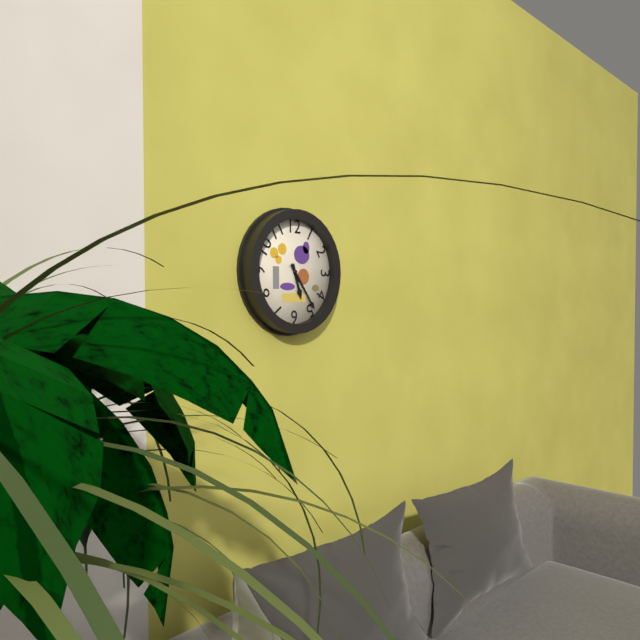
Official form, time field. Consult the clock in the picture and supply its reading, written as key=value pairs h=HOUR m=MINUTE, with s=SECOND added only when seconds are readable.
h=5 m=24
